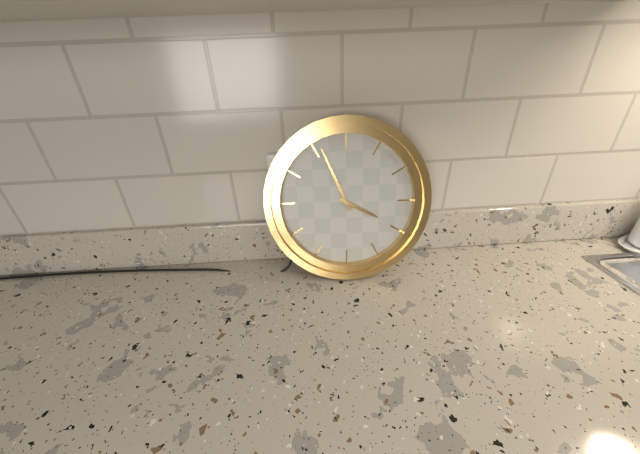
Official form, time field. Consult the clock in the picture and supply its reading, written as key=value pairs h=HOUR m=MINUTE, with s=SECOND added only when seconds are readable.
h=3 m=56
